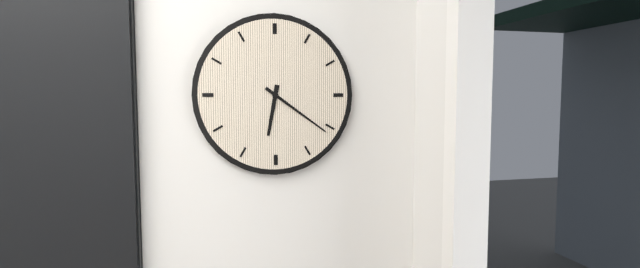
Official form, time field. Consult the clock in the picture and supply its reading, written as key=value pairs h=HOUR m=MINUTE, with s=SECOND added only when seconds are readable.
h=6 m=21
